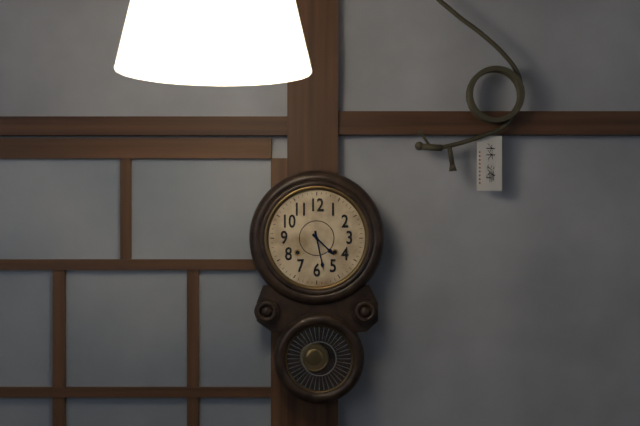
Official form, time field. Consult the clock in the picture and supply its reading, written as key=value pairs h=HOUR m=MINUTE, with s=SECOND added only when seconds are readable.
h=4 m=28
